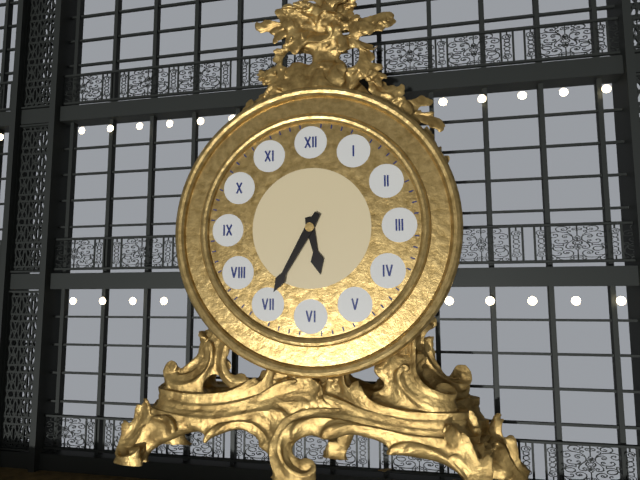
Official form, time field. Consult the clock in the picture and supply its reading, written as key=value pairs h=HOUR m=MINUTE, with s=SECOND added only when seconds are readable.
h=5 m=35
